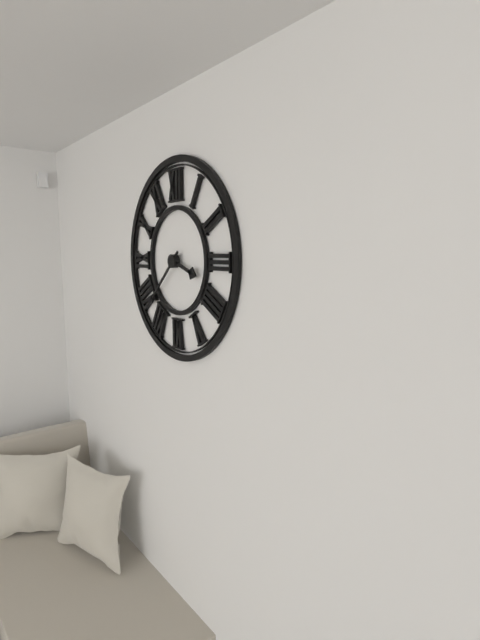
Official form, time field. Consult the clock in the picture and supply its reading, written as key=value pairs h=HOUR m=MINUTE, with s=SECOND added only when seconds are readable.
h=3 m=38
